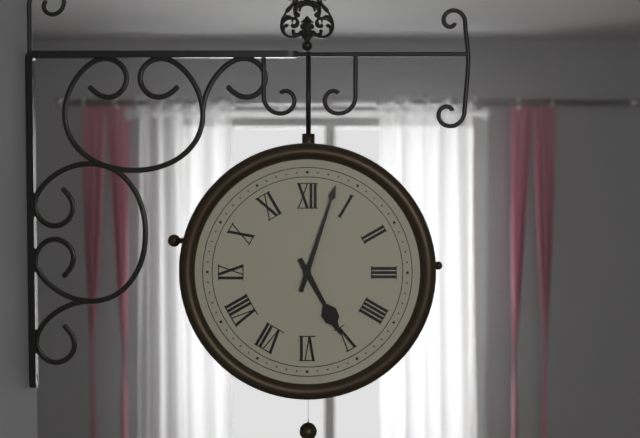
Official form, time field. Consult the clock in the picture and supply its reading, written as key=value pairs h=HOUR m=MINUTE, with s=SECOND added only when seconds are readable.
h=5 m=3
